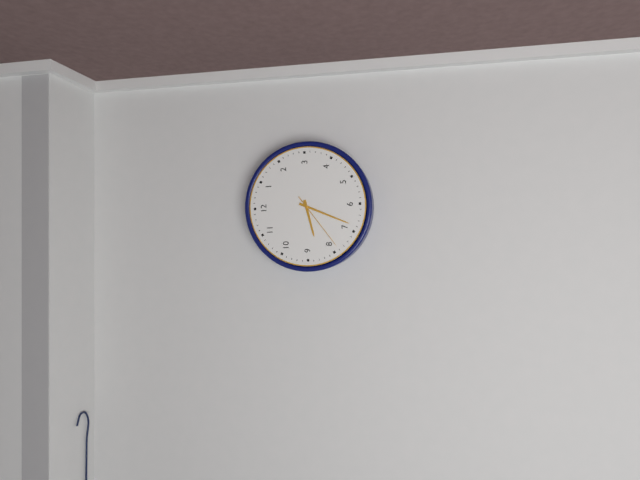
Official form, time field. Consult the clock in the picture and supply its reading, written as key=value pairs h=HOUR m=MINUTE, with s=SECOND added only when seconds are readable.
h=8 m=34 s=39
